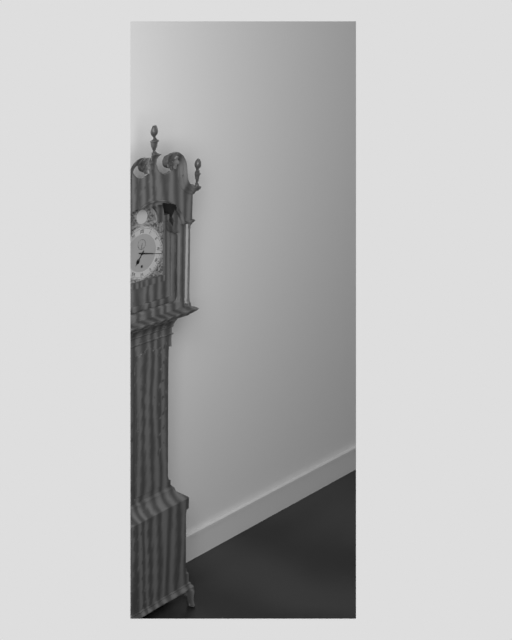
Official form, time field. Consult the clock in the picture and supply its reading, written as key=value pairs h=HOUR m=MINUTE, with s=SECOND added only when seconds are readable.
h=7 m=17
